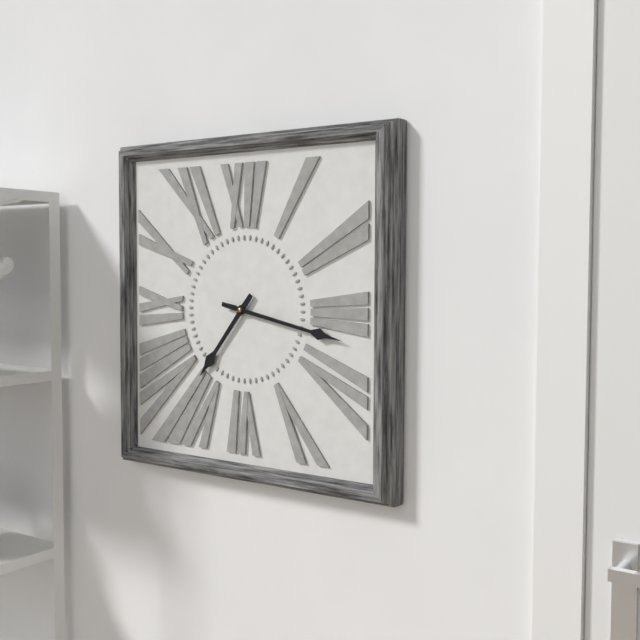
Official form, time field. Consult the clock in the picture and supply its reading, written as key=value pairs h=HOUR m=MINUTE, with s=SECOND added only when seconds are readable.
h=7 m=17
